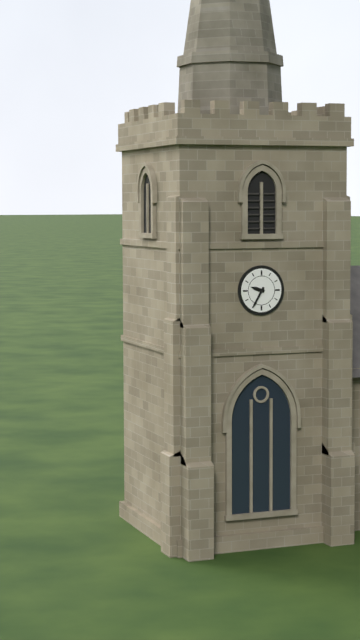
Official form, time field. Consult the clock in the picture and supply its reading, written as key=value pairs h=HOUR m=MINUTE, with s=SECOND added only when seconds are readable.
h=9 m=35
